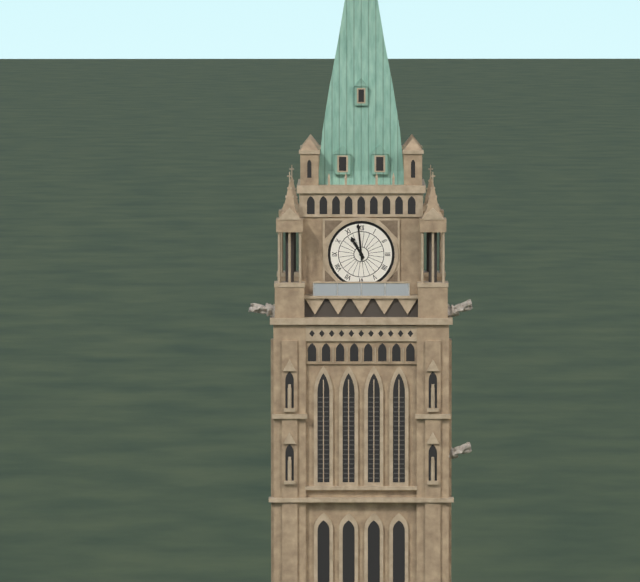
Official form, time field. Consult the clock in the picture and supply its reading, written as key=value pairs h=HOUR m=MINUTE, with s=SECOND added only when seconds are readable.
h=10 m=59
